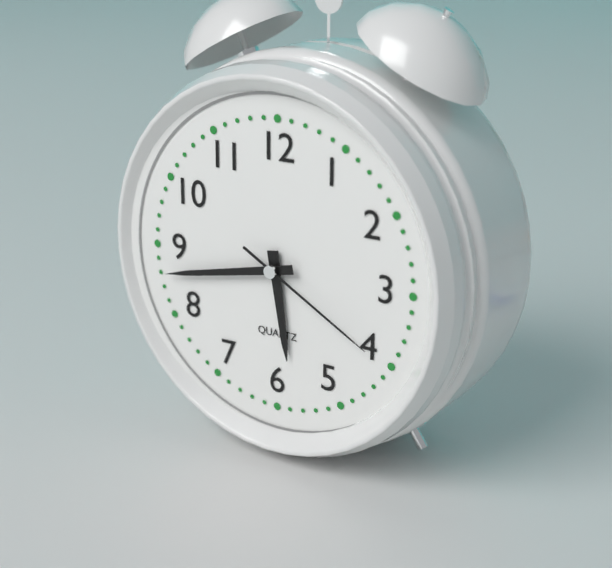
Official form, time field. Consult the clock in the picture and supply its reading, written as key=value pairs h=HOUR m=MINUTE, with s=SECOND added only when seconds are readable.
h=5 m=43 s=20
